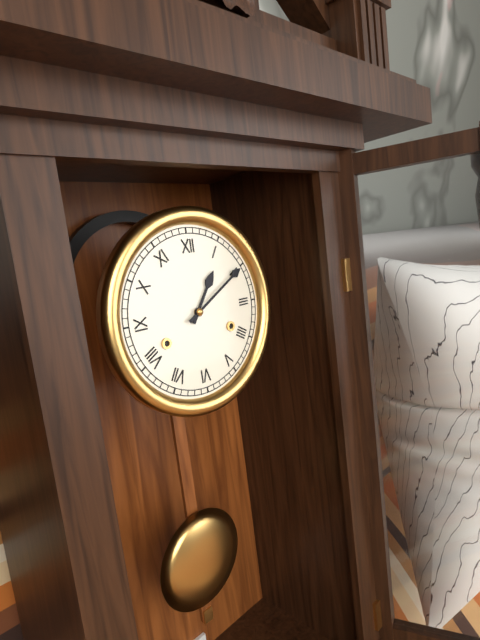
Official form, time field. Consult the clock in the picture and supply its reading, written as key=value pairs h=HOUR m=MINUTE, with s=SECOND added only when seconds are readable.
h=1 m=10
